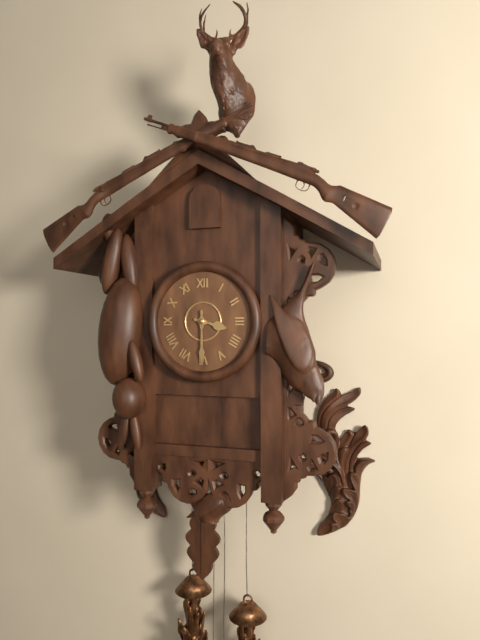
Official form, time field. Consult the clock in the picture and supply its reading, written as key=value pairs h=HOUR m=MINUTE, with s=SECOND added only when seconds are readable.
h=3 m=30
